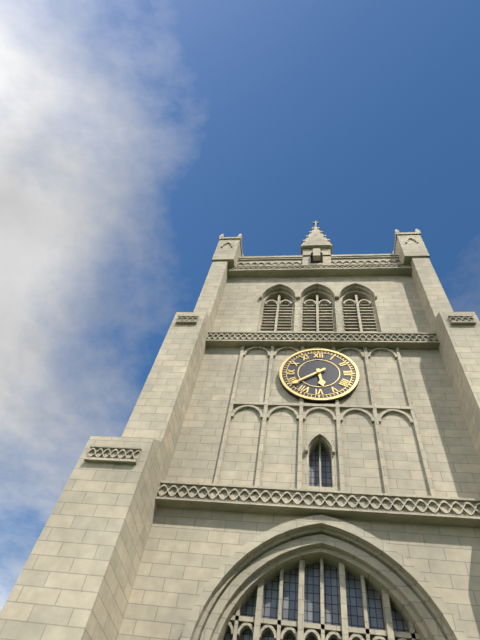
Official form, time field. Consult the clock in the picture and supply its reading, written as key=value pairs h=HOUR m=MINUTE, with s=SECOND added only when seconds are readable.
h=5 m=39
